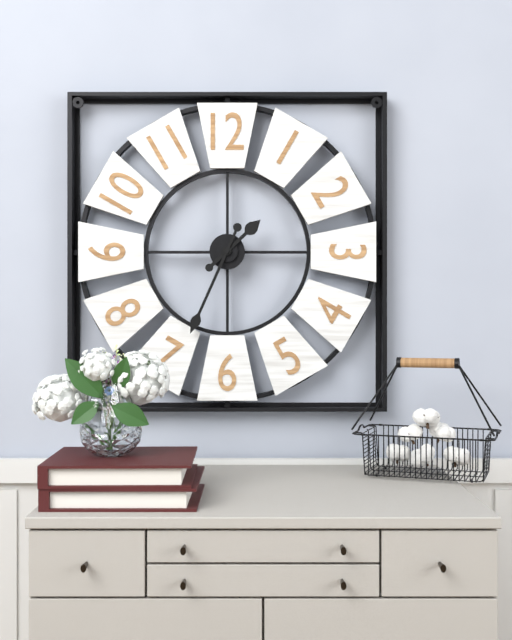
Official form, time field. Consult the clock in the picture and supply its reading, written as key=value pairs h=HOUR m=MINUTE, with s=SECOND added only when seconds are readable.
h=1 m=34
